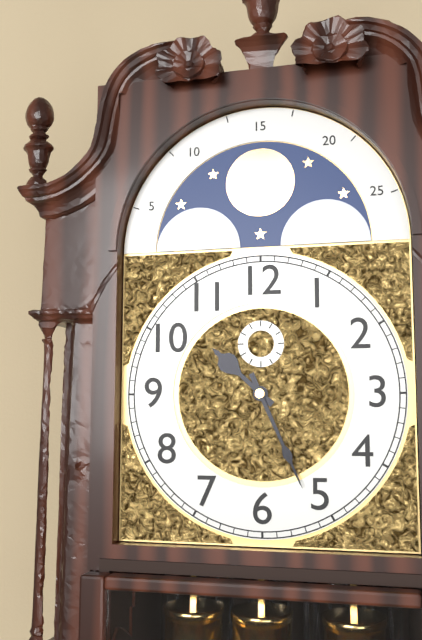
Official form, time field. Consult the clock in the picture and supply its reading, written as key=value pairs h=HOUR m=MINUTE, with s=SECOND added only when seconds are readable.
h=10 m=26
